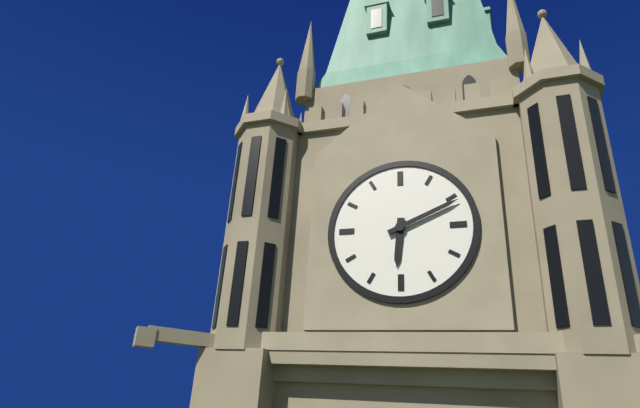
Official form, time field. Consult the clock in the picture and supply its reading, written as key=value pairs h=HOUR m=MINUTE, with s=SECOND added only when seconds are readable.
h=6 m=11
